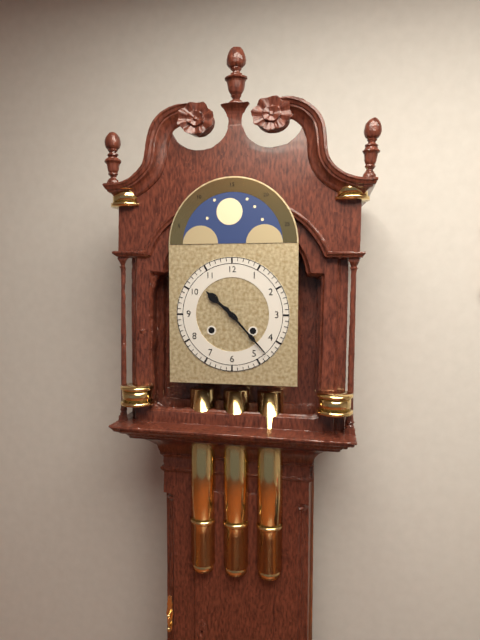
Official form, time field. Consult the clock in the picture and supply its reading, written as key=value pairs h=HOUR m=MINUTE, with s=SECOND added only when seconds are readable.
h=10 m=23
